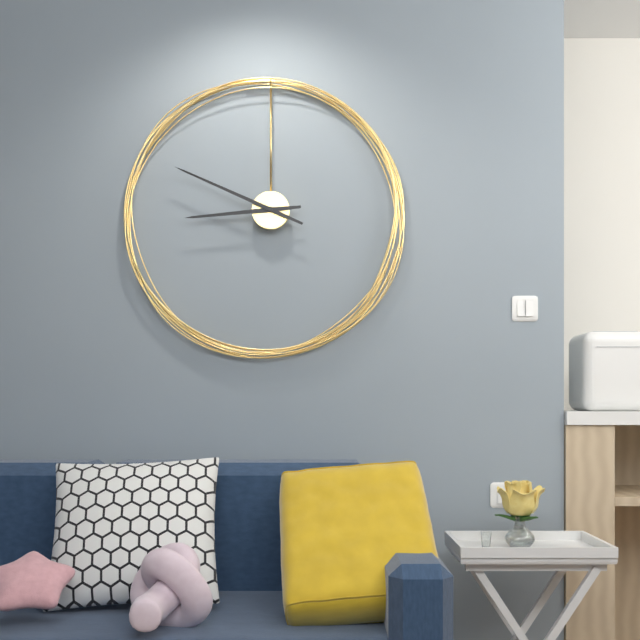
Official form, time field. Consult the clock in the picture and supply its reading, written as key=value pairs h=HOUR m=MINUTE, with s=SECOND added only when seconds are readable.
h=8 m=49
